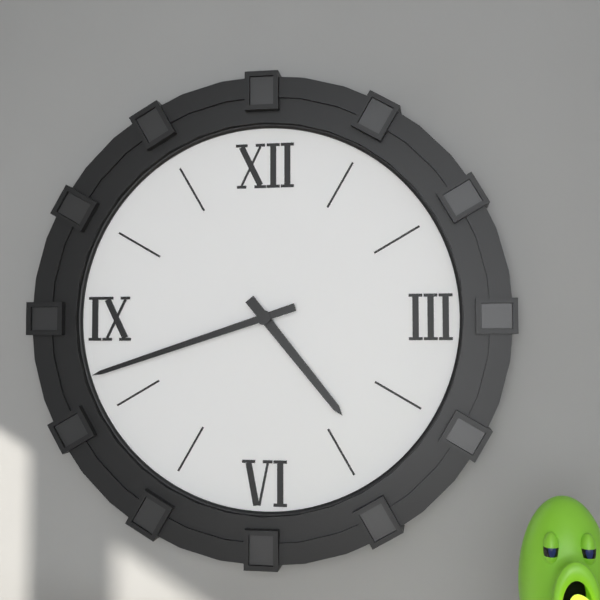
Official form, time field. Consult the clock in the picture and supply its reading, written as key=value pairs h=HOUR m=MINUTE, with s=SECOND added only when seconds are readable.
h=4 m=42
